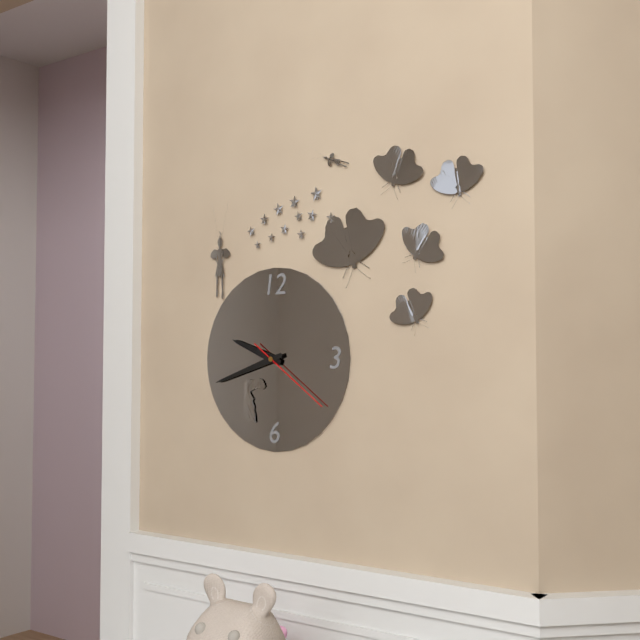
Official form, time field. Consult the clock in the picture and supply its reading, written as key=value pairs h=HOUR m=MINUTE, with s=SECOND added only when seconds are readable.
h=9 m=42 s=21
